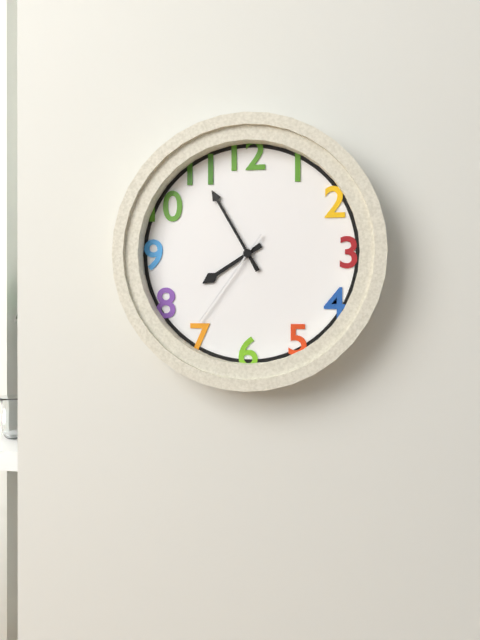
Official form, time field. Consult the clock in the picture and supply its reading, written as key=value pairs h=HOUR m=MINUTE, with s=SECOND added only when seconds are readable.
h=7 m=55 s=36
